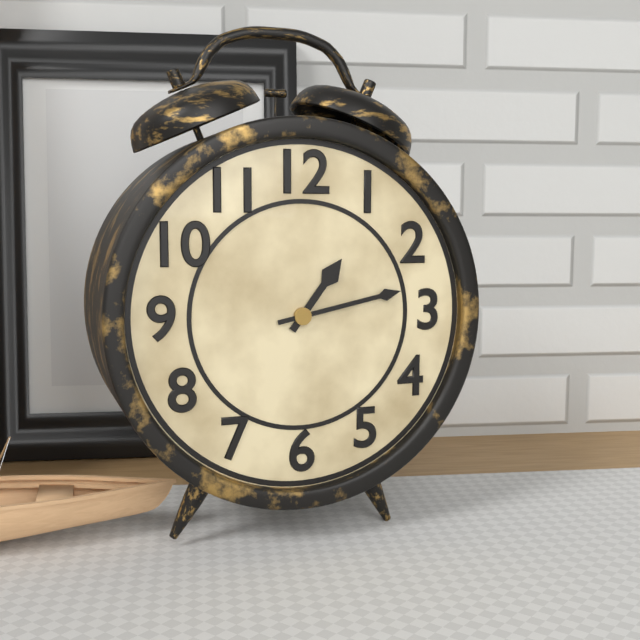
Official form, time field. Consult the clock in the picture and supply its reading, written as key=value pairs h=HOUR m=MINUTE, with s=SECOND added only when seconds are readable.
h=1 m=13
